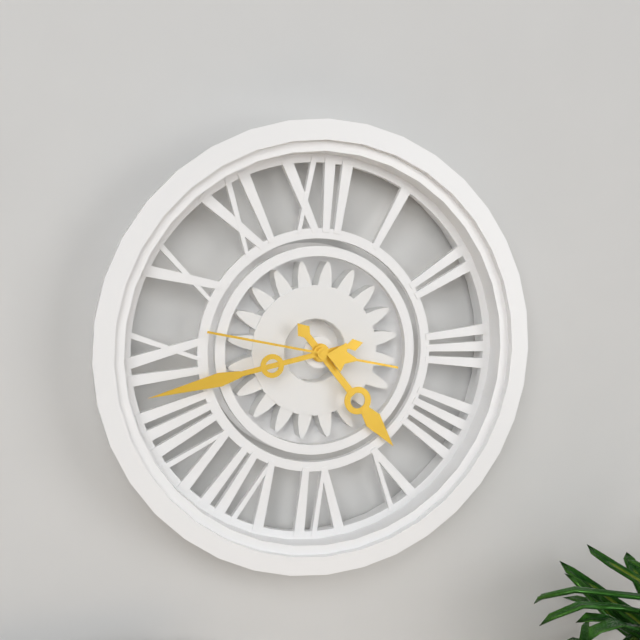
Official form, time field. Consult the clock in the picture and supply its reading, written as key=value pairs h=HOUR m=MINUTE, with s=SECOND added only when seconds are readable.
h=4 m=43 s=47
